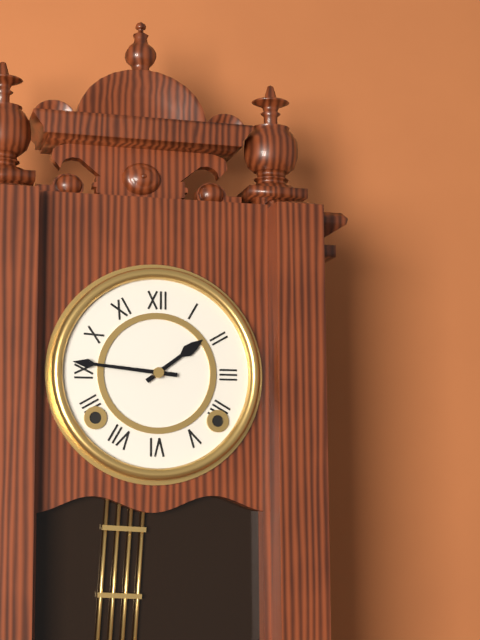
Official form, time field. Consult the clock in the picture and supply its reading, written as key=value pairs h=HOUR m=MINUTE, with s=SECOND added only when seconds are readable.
h=1 m=46
